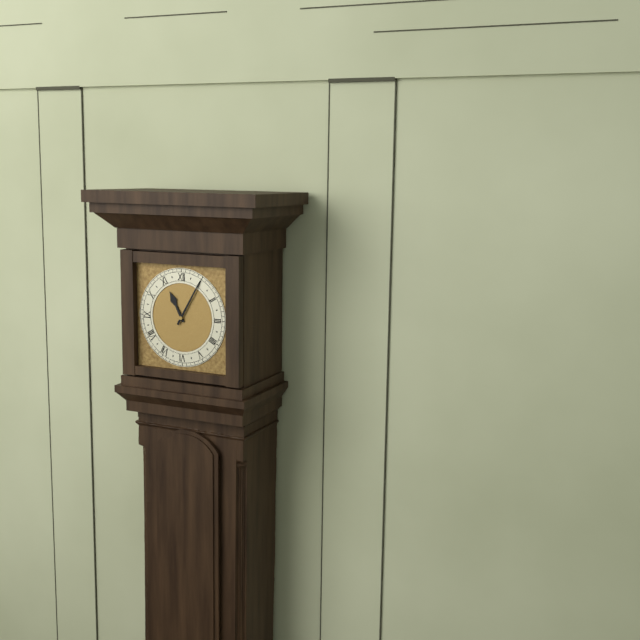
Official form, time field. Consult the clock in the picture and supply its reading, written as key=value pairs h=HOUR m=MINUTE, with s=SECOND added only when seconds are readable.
h=11 m=5
